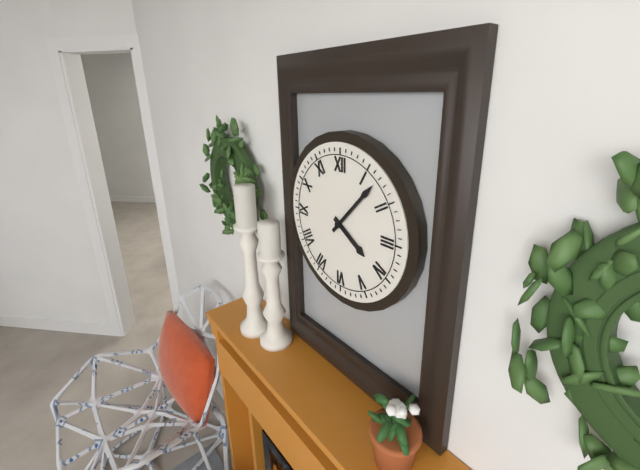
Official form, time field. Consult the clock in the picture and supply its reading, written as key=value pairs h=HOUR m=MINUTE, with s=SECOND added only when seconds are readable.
h=4 m=7
